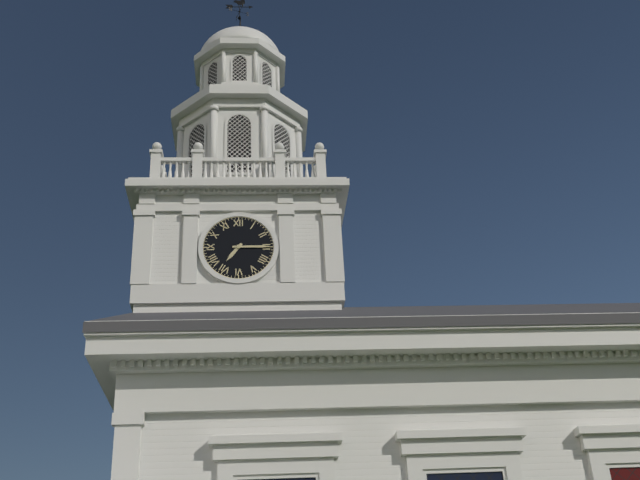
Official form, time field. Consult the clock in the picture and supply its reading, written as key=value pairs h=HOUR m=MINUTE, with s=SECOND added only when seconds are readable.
h=7 m=15
